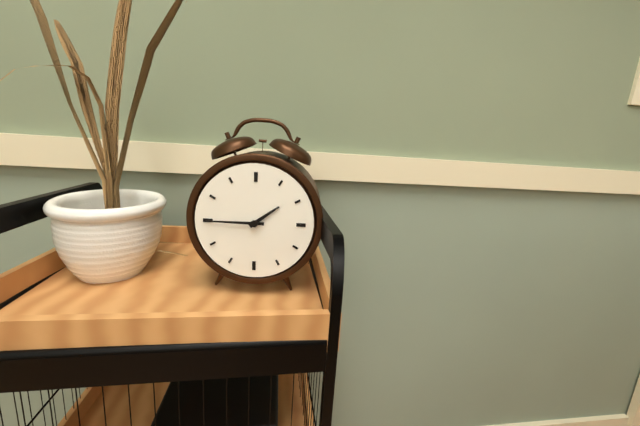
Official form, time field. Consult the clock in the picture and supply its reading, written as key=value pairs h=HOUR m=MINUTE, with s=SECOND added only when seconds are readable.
h=1 m=45
